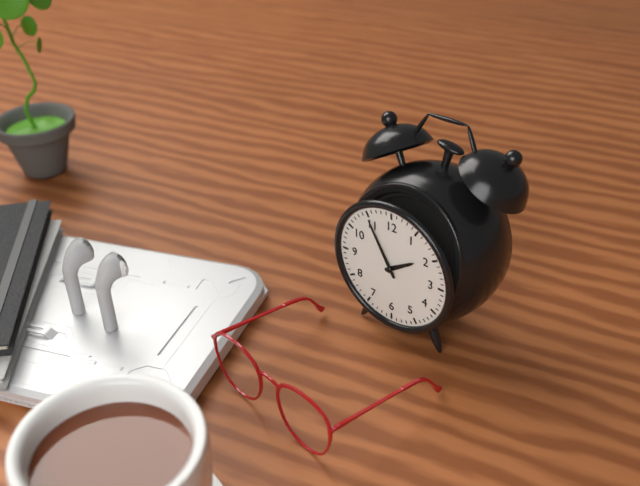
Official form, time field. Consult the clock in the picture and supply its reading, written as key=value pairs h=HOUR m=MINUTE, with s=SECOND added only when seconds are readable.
h=1 m=55
